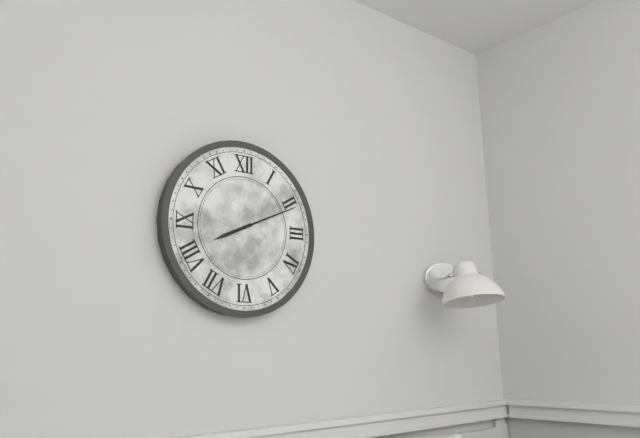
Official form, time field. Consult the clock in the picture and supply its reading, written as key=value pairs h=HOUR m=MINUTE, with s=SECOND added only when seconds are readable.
h=8 m=11
